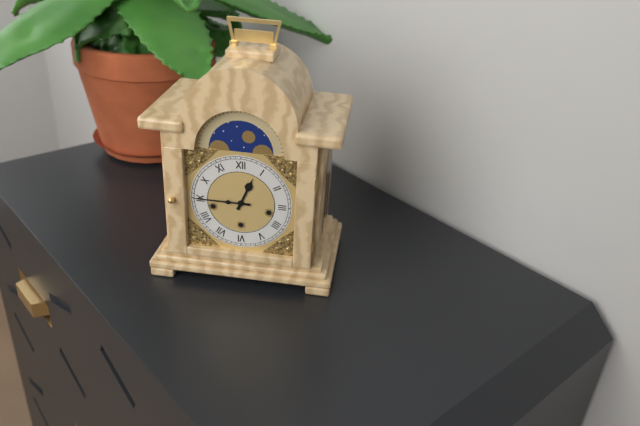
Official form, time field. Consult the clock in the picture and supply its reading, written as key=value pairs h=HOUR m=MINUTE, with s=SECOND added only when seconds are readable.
h=12 m=45
